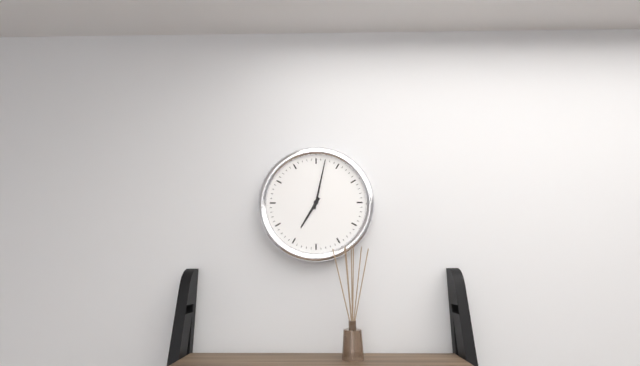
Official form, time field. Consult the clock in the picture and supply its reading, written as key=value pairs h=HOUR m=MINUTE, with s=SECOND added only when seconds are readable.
h=7 m=2
